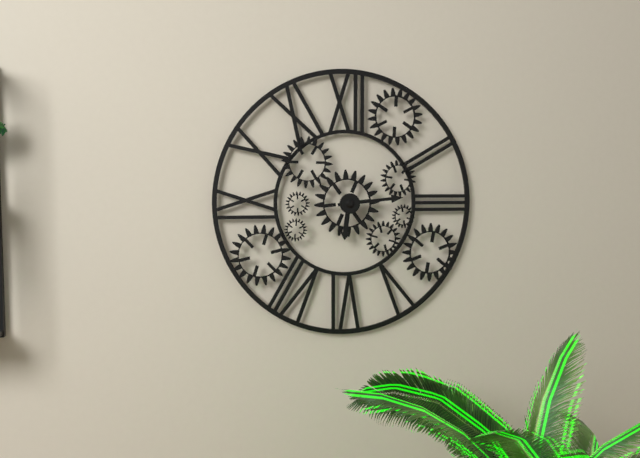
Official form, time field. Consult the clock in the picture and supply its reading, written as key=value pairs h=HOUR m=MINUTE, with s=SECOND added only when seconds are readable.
h=6 m=14
